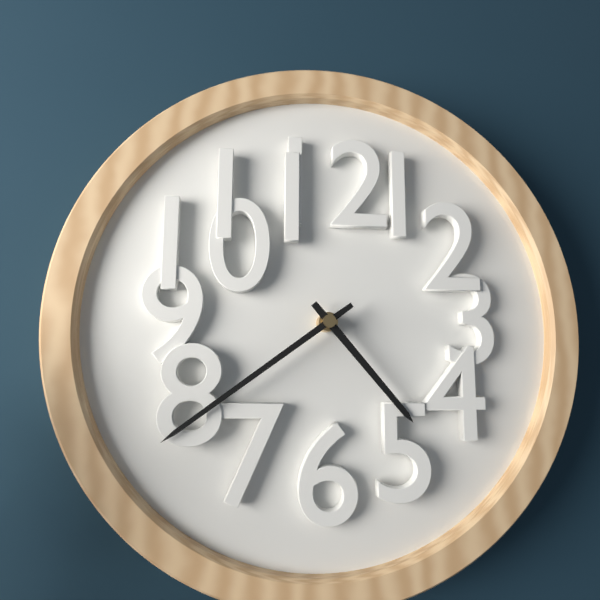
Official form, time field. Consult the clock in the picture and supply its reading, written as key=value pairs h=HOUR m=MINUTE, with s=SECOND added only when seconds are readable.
h=4 m=39
